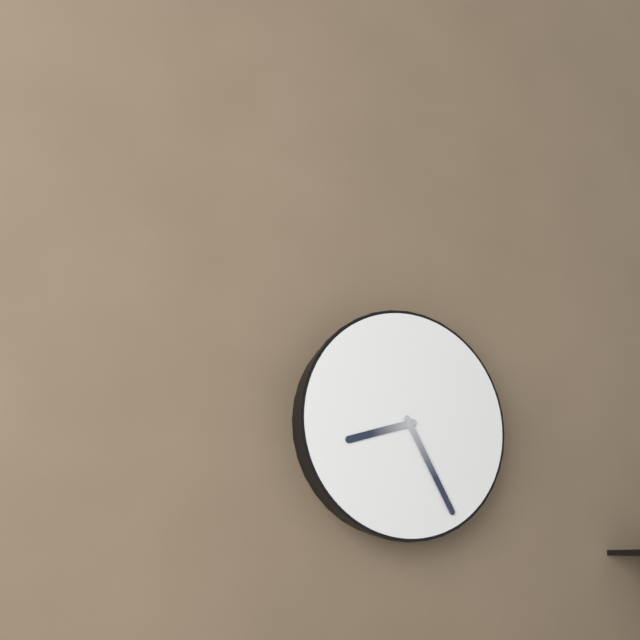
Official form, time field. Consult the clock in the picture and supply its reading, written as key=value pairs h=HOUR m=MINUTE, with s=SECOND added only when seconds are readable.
h=8 m=25
